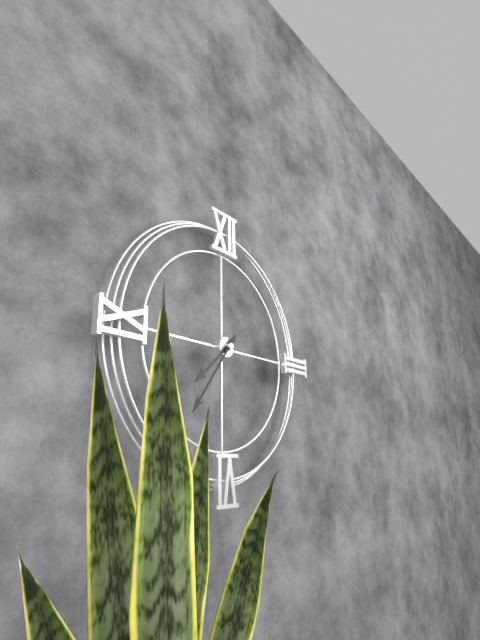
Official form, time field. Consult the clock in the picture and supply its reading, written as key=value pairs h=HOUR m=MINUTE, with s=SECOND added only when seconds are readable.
h=7 m=36
